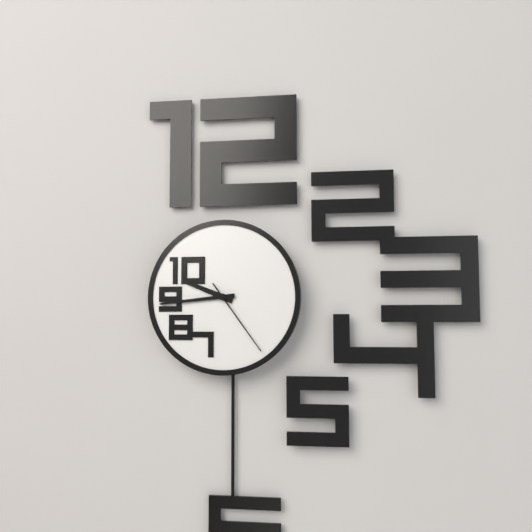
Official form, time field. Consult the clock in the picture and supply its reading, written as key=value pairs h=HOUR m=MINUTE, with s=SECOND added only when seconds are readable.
h=9 m=44 s=24
